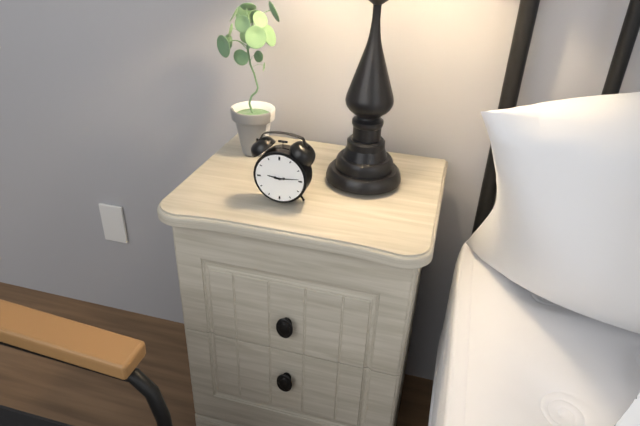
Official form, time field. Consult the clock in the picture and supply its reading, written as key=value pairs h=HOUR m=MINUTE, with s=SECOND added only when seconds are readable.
h=9 m=14
